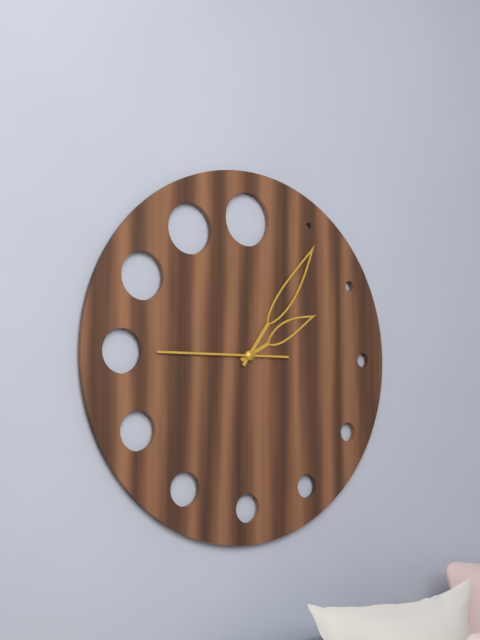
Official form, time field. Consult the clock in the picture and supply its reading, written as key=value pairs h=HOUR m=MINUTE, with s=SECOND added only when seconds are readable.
h=2 m=6 s=45
